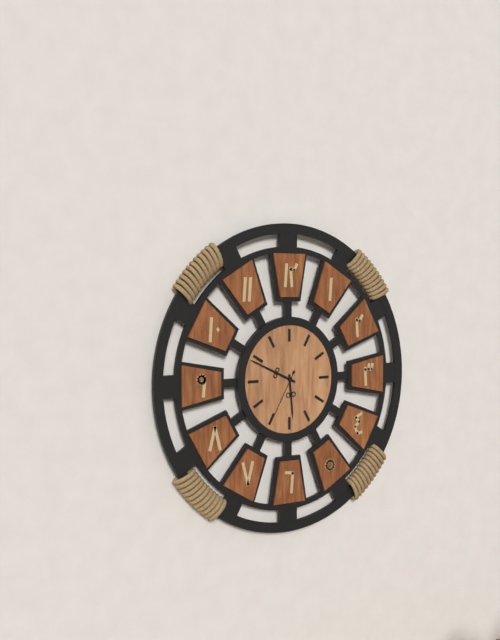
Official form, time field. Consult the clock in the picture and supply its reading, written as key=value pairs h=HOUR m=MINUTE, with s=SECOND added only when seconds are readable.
h=5 m=49
